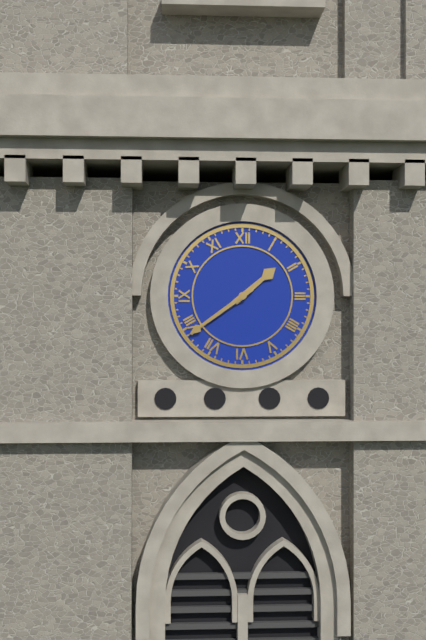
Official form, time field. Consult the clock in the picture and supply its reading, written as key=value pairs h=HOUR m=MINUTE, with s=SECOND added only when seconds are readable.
h=1 m=39
